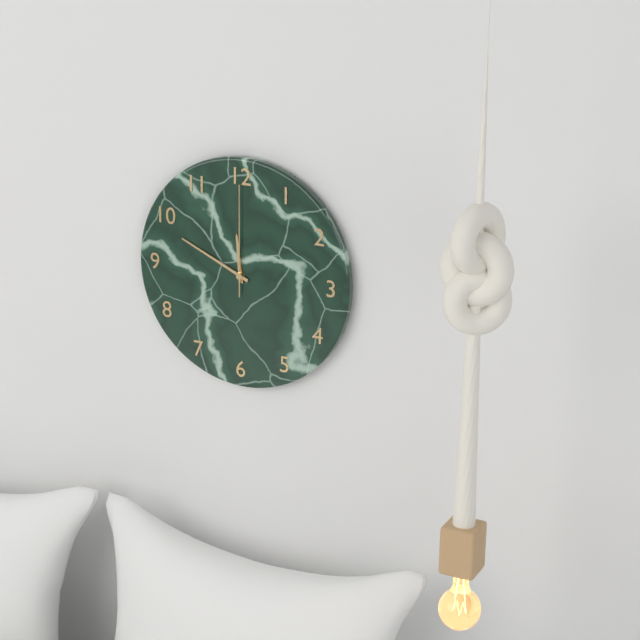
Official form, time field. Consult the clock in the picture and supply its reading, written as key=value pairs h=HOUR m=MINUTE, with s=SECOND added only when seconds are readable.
h=11 m=49 s=0
